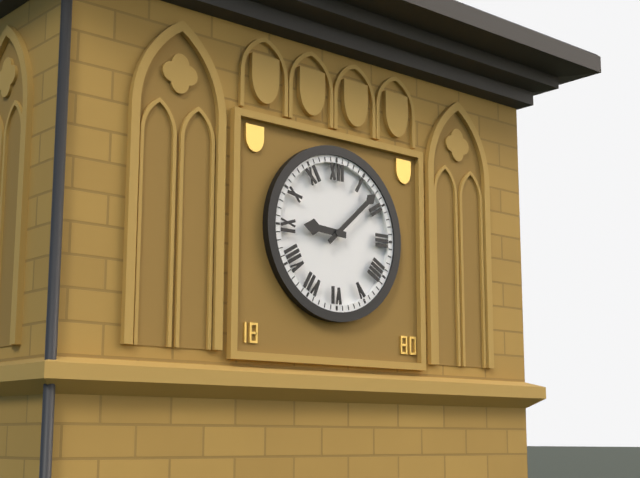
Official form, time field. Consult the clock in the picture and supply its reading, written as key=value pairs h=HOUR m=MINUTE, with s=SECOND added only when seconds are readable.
h=9 m=8
